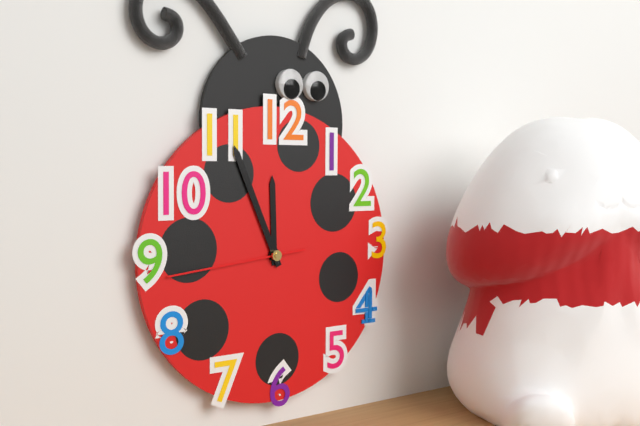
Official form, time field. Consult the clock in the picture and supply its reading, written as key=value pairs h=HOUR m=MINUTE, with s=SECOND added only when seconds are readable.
h=11 m=56 s=44
